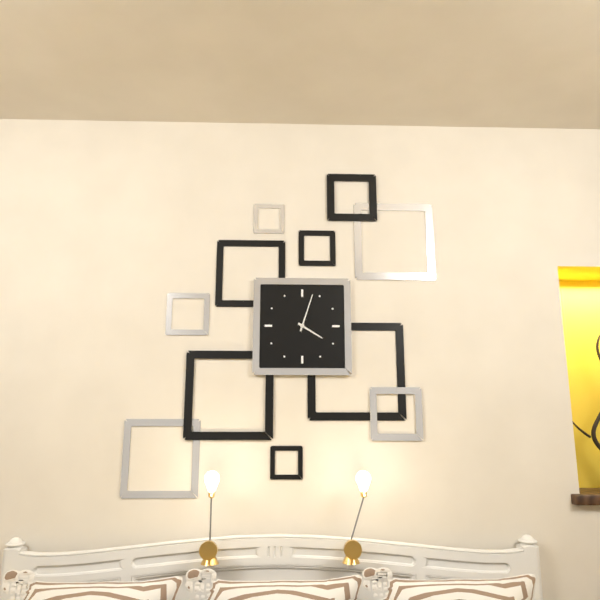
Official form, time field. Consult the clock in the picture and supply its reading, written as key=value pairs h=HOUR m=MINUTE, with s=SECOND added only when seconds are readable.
h=4 m=3
